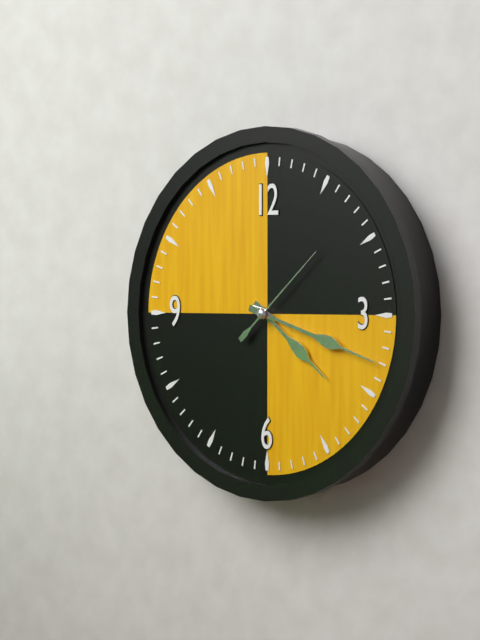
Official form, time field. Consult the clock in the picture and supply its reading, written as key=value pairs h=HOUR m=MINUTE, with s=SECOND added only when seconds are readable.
h=4 m=18 s=8
